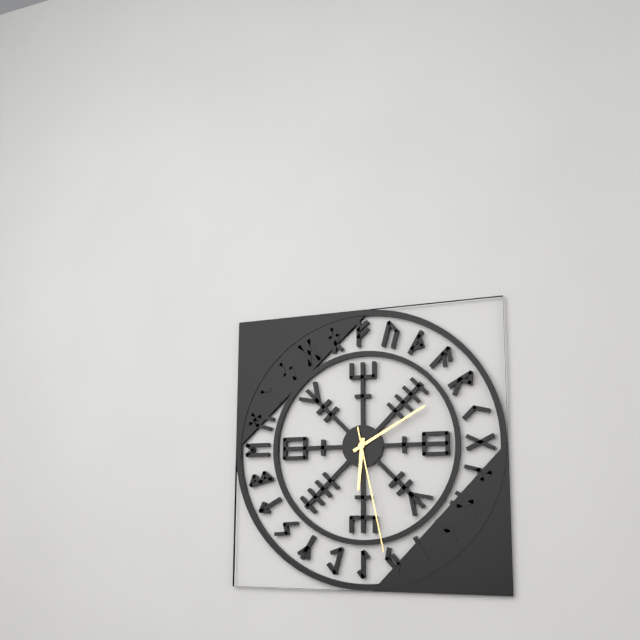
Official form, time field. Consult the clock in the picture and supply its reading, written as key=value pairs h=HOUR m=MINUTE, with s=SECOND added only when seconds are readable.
h=6 m=10 s=28
